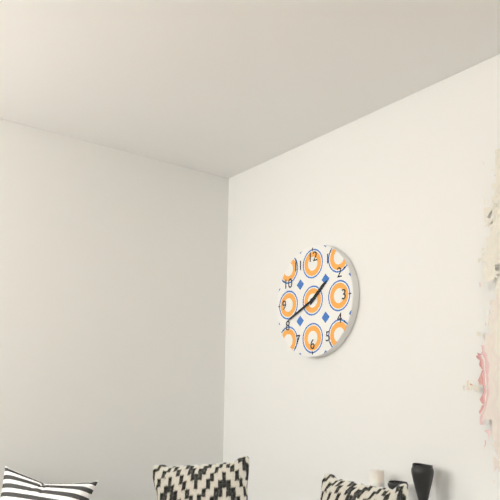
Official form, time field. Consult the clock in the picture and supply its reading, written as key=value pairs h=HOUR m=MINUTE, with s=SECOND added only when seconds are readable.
h=1 m=41
